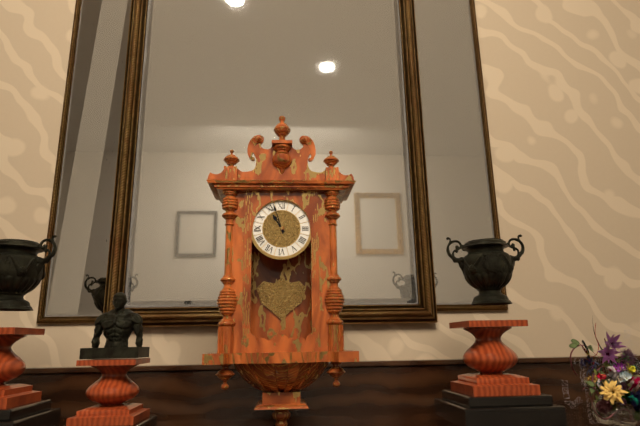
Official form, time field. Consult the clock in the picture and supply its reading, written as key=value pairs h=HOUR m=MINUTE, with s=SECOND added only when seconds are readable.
h=10 m=57
